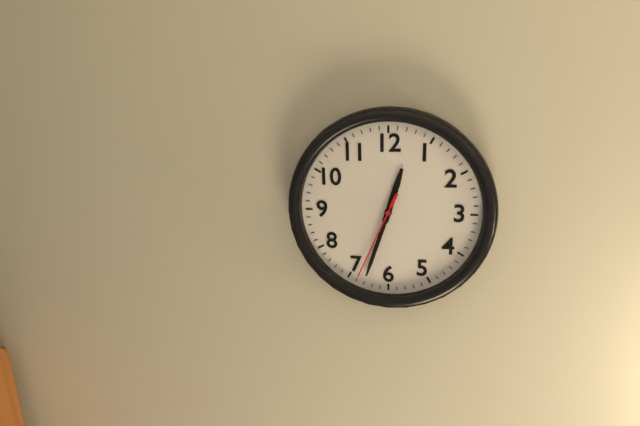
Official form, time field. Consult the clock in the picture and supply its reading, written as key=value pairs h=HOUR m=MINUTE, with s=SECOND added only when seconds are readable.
h=12 m=33 s=34
